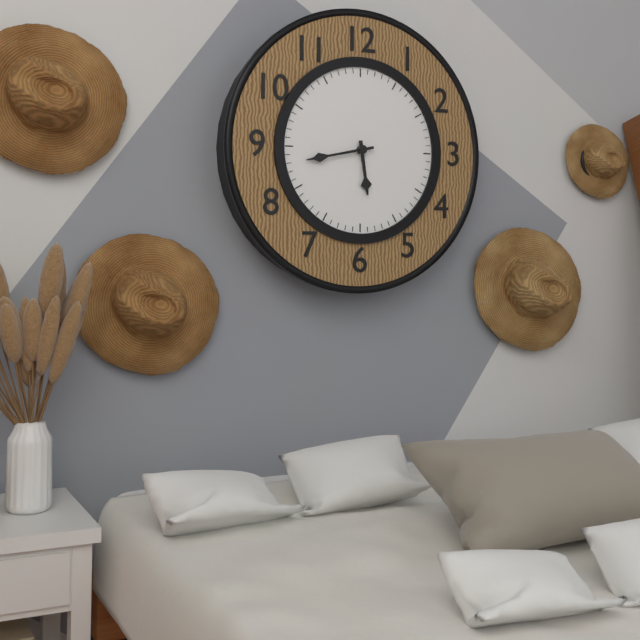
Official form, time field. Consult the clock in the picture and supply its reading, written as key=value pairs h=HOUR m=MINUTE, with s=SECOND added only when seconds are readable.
h=5 m=43
